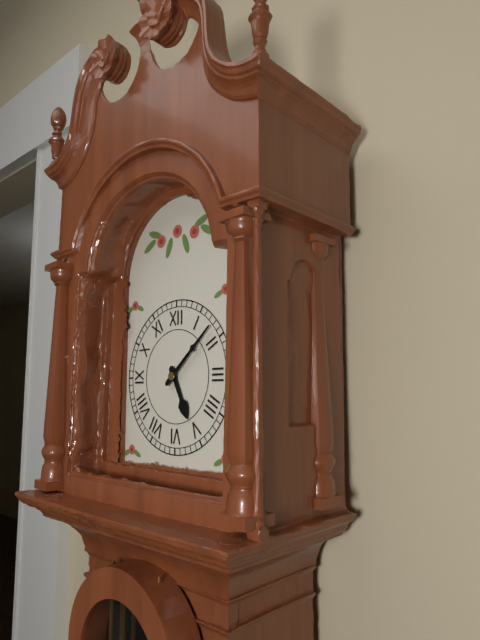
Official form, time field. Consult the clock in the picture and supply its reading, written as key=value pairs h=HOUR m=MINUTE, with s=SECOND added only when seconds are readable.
h=5 m=8
